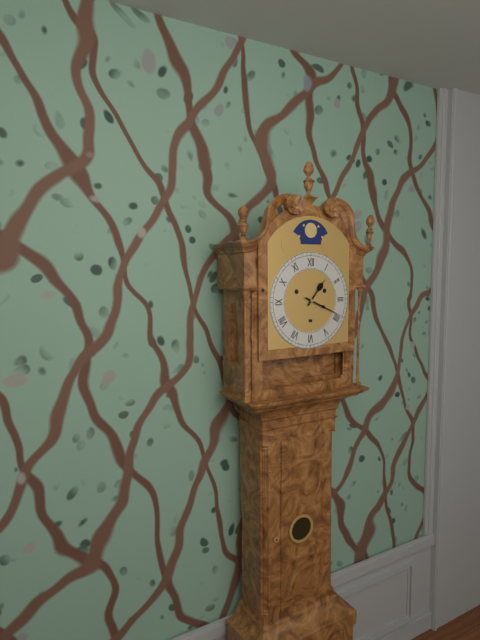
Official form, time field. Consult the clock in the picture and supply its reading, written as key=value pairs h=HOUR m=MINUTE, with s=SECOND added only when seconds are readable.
h=1 m=19
